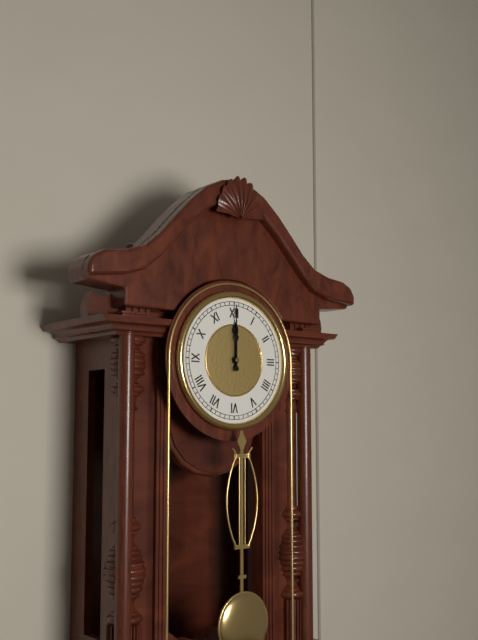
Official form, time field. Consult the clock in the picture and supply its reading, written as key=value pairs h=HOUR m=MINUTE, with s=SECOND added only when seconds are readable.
h=12 m=0
